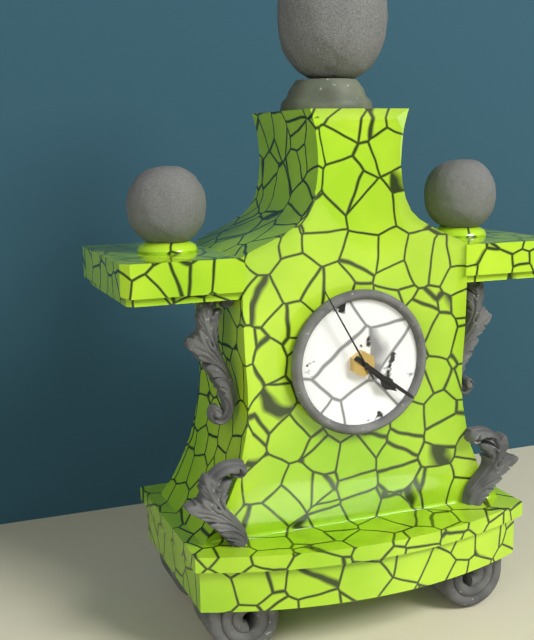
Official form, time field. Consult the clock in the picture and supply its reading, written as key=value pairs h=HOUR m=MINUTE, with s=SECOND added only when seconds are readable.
h=4 m=21 s=55
